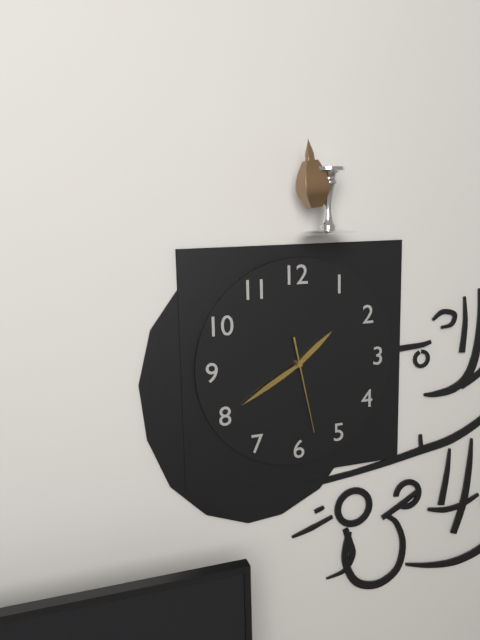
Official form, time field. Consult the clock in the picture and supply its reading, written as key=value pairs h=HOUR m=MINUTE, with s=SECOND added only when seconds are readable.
h=1 m=40 s=28
